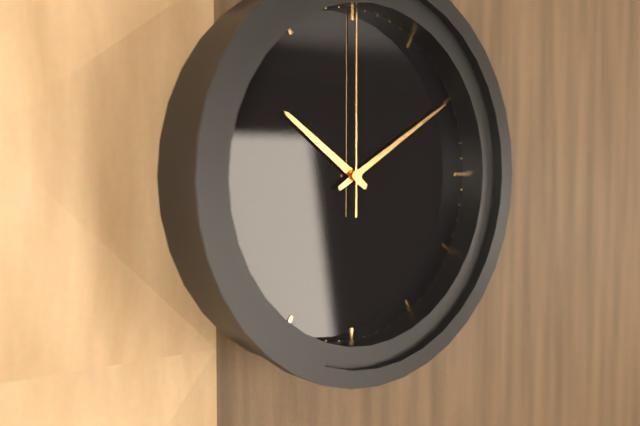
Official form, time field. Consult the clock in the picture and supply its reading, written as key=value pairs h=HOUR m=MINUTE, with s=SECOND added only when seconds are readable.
h=10 m=10 s=0
